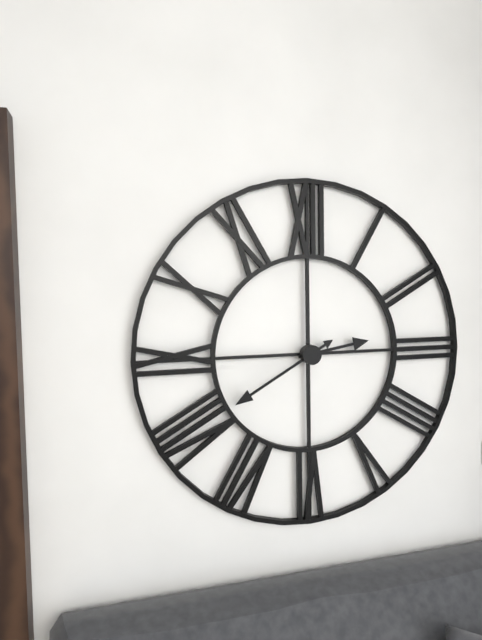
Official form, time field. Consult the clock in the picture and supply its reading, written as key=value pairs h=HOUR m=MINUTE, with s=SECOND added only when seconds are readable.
h=2 m=40
